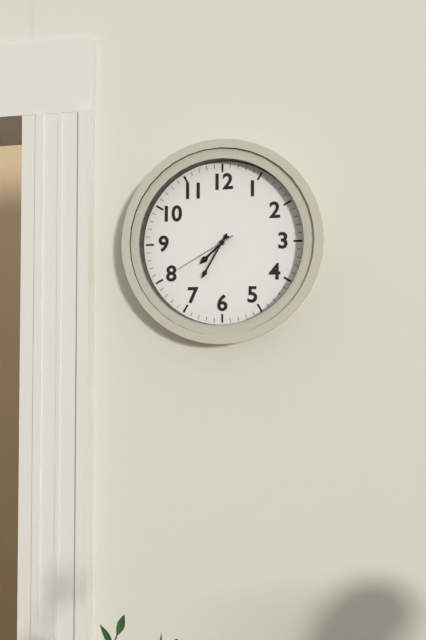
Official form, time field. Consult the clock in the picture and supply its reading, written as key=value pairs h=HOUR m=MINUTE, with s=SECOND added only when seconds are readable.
h=7 m=35 s=40
